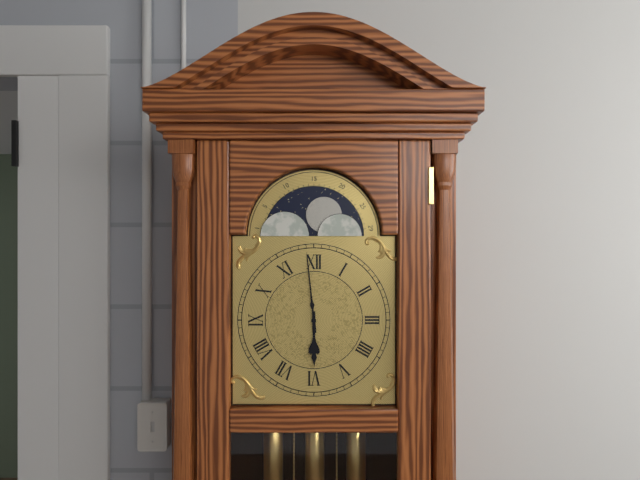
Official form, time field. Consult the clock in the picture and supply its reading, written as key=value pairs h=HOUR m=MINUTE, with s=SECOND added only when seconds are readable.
h=5 m=59
